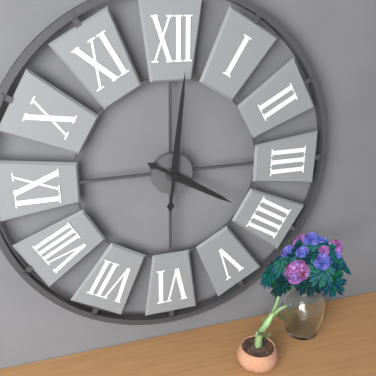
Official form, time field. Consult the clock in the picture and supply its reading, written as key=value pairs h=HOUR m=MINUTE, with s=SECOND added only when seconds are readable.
h=4 m=1
